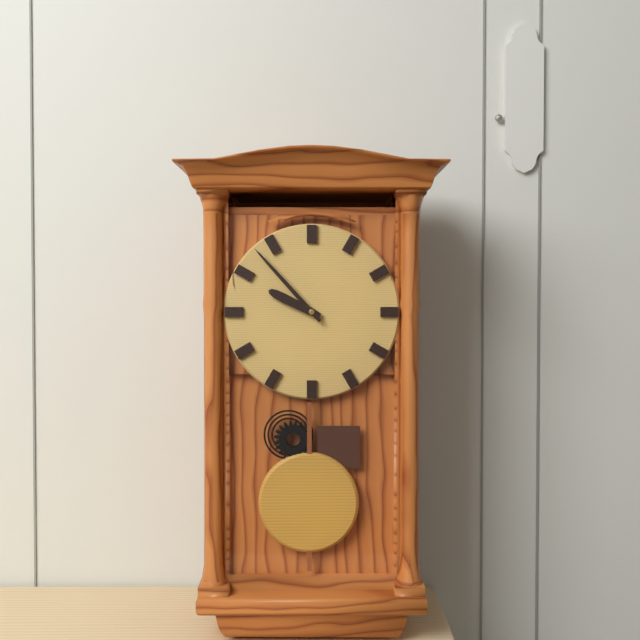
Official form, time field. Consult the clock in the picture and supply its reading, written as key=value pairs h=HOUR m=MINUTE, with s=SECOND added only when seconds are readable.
h=9 m=53
